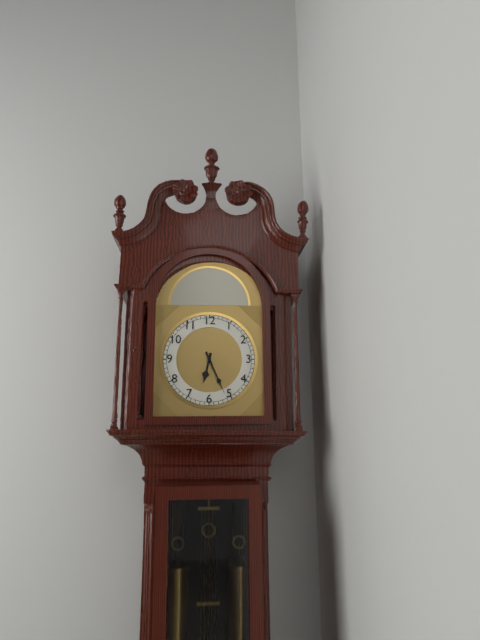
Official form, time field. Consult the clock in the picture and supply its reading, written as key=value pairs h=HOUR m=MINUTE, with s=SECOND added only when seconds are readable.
h=6 m=26
